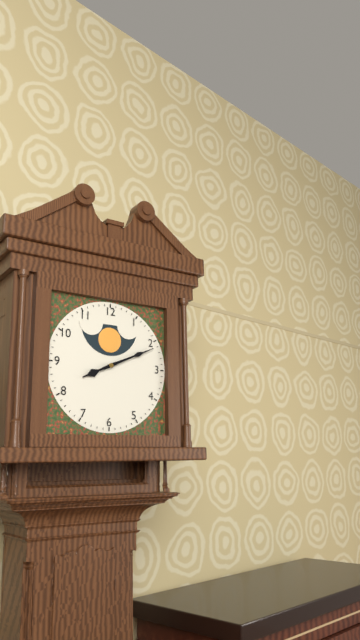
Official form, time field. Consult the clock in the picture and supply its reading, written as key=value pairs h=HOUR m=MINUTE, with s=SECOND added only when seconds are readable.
h=8 m=11
